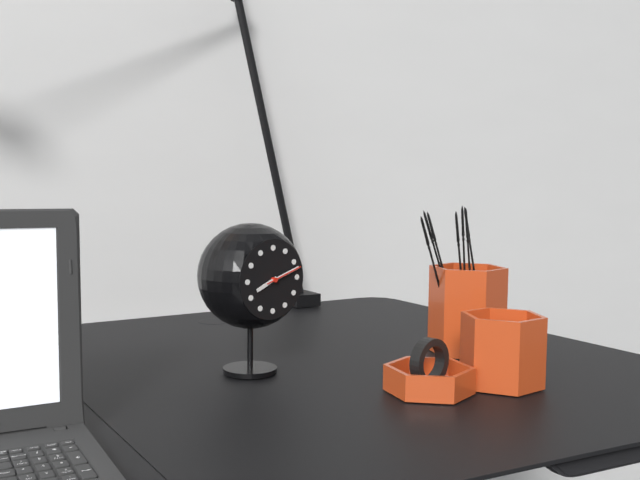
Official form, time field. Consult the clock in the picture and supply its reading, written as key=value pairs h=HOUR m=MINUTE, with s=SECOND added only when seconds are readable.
h=8 m=12 s=12
